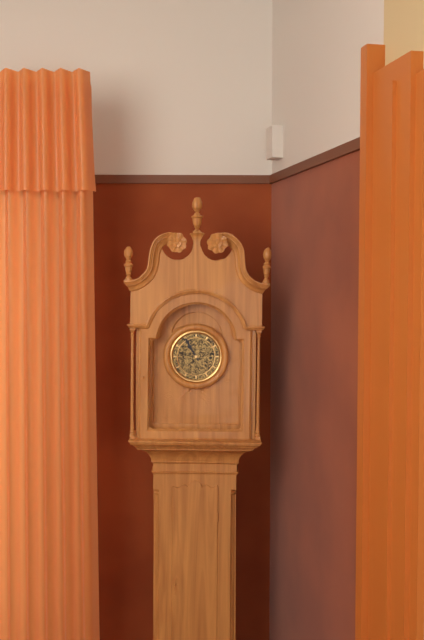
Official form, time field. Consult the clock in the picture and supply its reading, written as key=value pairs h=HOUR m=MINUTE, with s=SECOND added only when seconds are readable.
h=10 m=55
